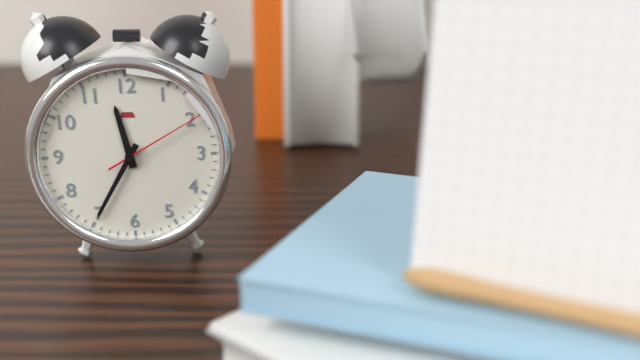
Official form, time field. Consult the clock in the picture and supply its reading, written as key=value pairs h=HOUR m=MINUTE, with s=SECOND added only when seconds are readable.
h=11 m=35 s=10
